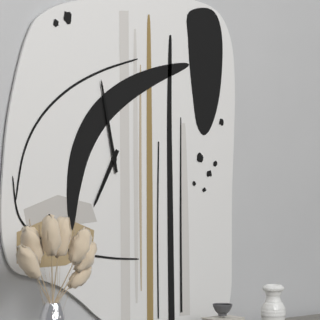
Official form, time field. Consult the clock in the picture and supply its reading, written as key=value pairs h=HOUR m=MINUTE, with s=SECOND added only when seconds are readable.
h=6 m=58
